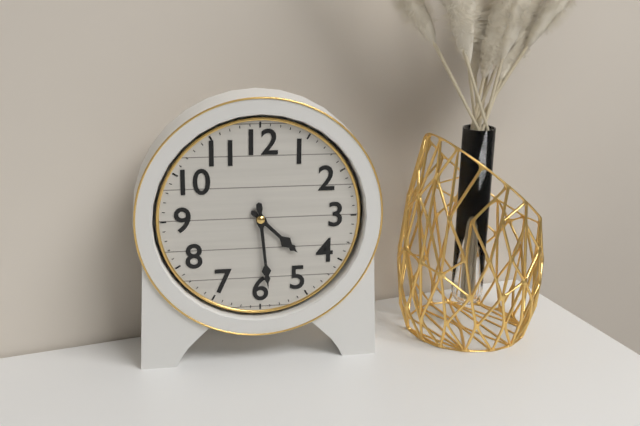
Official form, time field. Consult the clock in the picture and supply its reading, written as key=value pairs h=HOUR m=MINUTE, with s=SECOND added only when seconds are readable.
h=4 m=29
